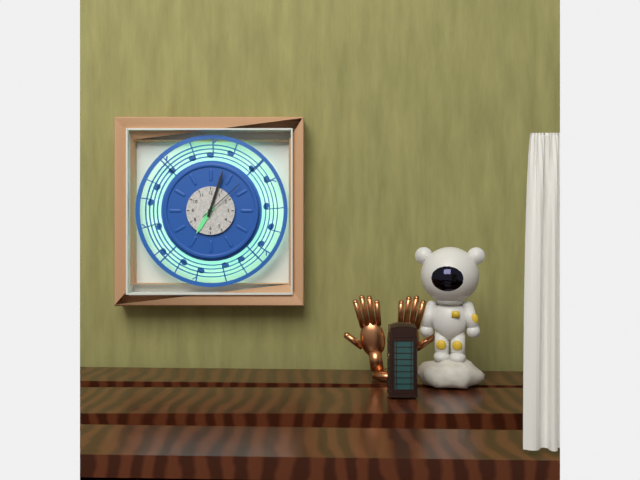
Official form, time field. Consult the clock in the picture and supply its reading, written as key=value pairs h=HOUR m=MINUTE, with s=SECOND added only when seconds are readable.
h=7 m=3
